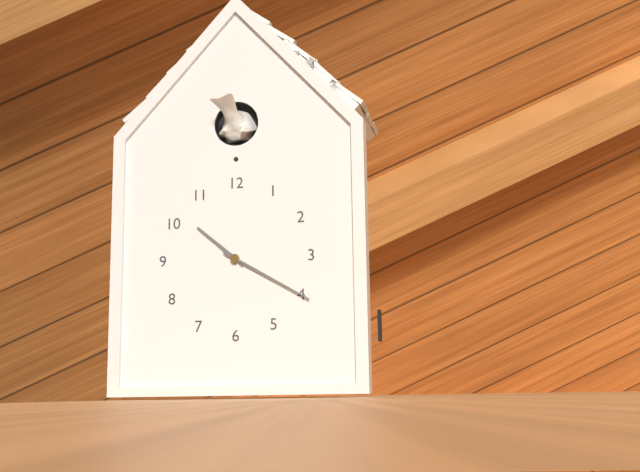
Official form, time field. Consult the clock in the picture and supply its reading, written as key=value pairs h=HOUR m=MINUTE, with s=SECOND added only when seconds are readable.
h=10 m=20
